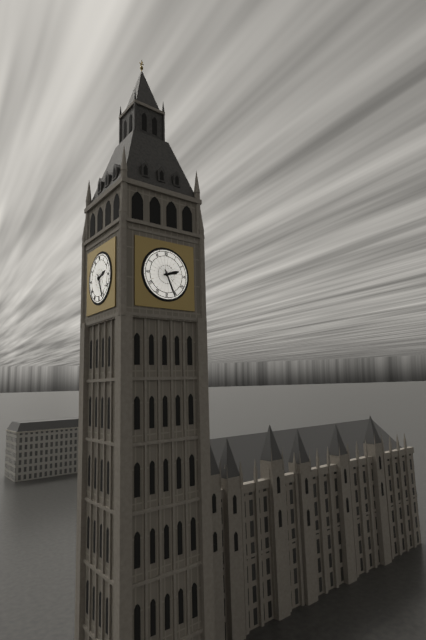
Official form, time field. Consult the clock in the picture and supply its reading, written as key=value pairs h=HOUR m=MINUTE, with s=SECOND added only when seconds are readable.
h=2 m=26
